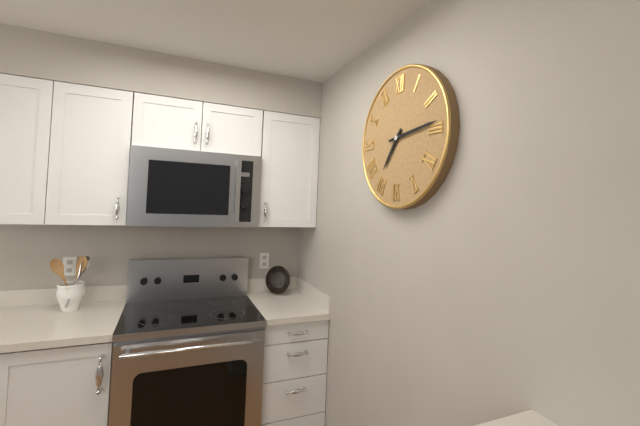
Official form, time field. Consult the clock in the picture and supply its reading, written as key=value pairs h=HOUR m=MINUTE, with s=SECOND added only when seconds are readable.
h=7 m=14
